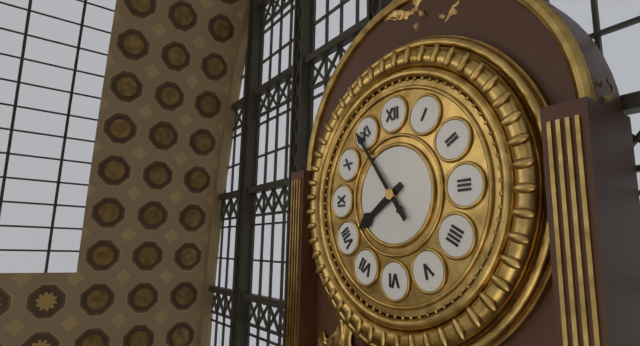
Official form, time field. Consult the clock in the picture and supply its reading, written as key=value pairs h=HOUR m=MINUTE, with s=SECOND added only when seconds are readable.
h=7 m=54
